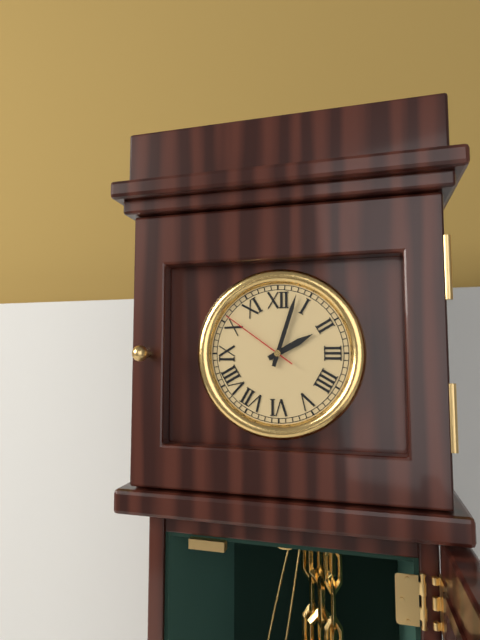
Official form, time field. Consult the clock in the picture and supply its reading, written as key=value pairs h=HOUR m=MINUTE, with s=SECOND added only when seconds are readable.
h=2 m=3 s=51
